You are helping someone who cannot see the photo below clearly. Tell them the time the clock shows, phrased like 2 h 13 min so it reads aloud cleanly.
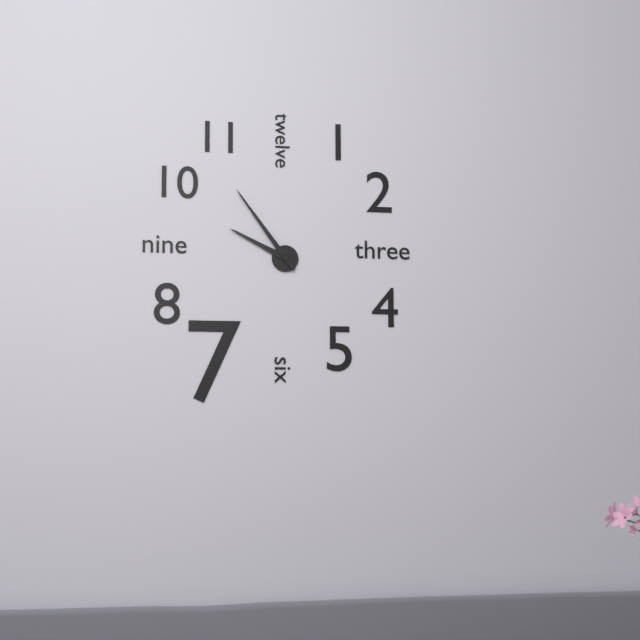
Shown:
9 h 54 min
